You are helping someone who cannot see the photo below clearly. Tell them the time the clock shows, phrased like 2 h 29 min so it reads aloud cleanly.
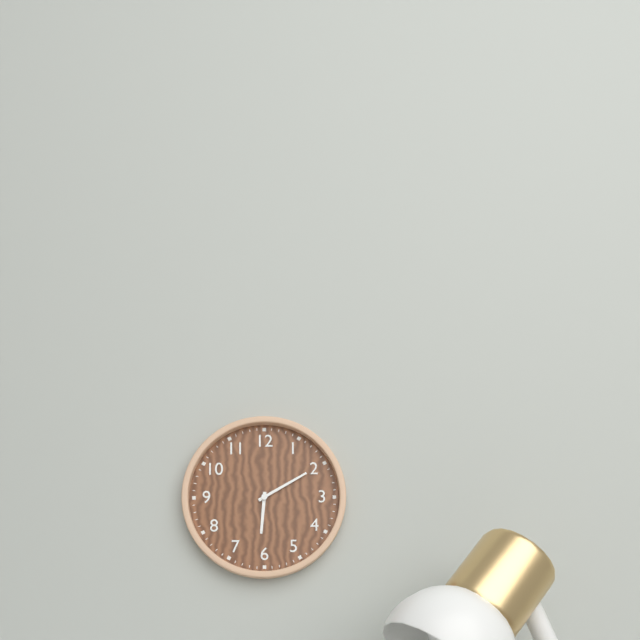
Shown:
6 h 10 min
